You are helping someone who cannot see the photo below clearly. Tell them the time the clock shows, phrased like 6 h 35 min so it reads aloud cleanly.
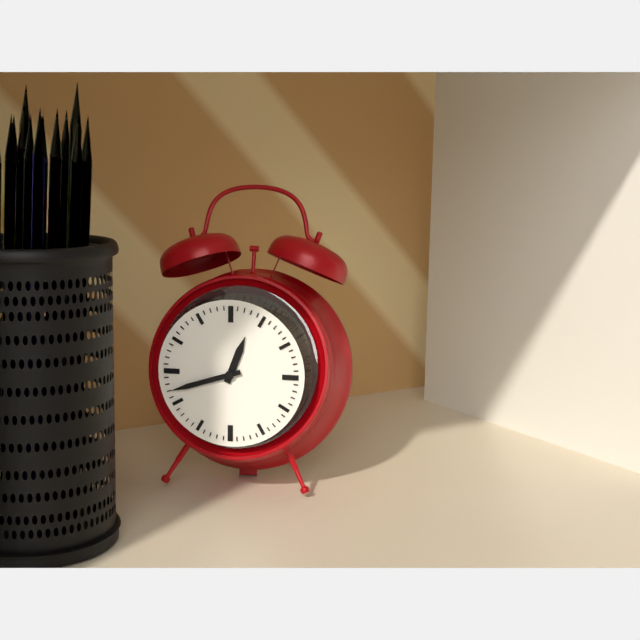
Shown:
12 h 42 min
